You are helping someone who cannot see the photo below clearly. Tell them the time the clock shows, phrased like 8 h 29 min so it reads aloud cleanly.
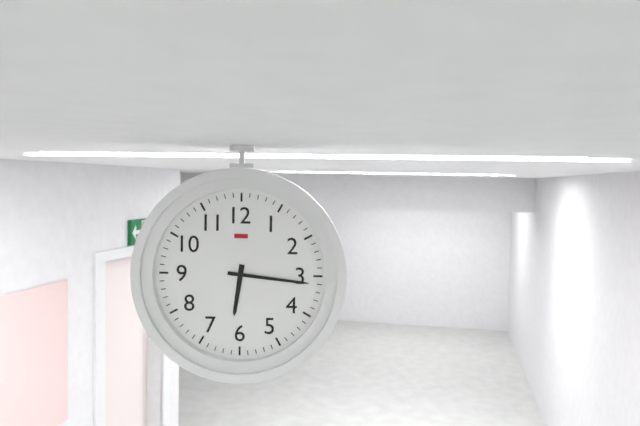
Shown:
6 h 16 min
